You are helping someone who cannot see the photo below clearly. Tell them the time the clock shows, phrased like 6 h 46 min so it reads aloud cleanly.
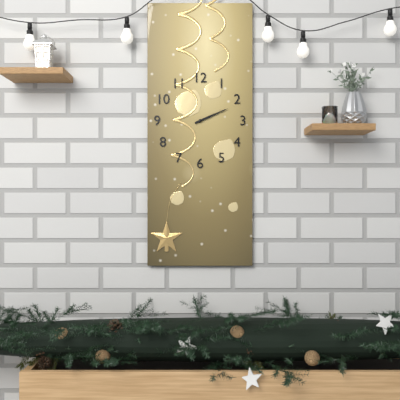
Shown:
2 h 11 min
